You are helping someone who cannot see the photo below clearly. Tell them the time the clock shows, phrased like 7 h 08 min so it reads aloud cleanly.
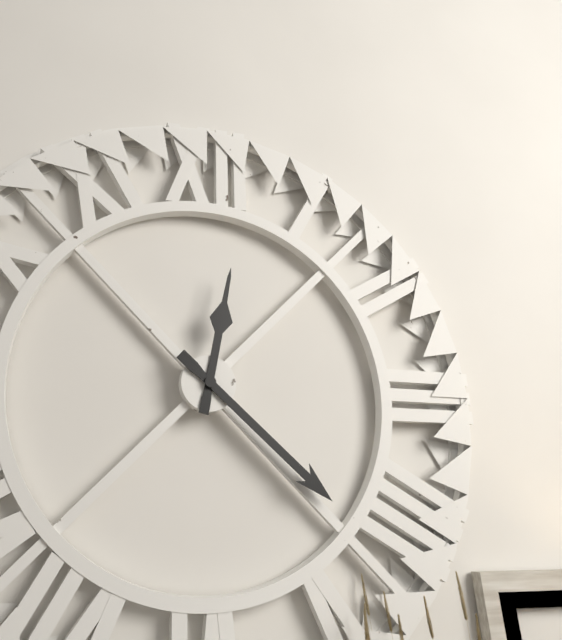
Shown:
12 h 22 min
